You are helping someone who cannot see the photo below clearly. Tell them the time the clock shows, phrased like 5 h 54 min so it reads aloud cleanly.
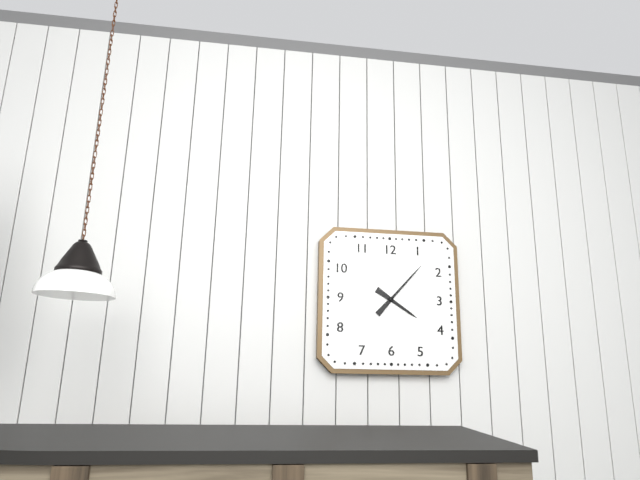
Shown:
4 h 07 min
